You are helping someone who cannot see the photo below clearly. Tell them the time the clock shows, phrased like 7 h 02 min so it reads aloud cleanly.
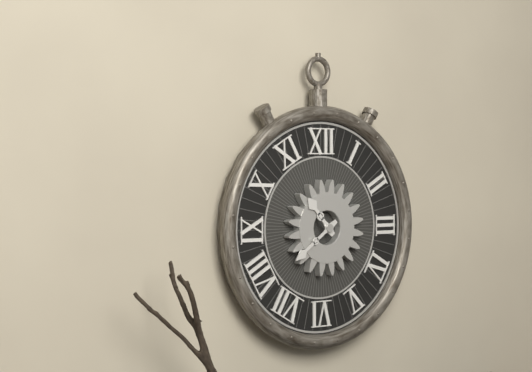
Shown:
10 h 39 min
